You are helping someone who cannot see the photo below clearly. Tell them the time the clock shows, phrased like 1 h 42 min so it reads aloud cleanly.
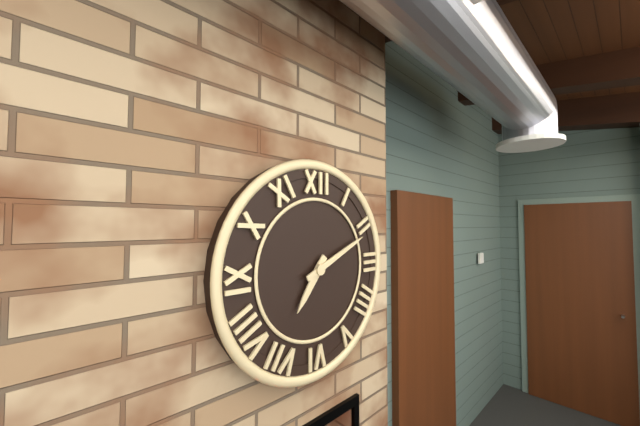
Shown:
7 h 11 min
